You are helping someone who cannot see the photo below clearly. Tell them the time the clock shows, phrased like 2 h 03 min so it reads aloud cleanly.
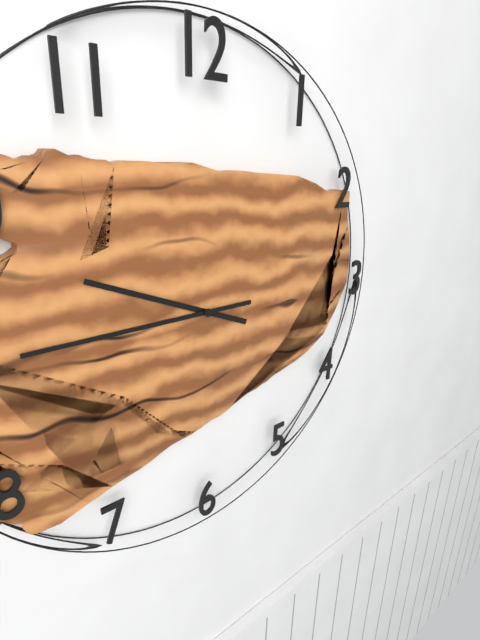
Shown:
9 h 45 min
